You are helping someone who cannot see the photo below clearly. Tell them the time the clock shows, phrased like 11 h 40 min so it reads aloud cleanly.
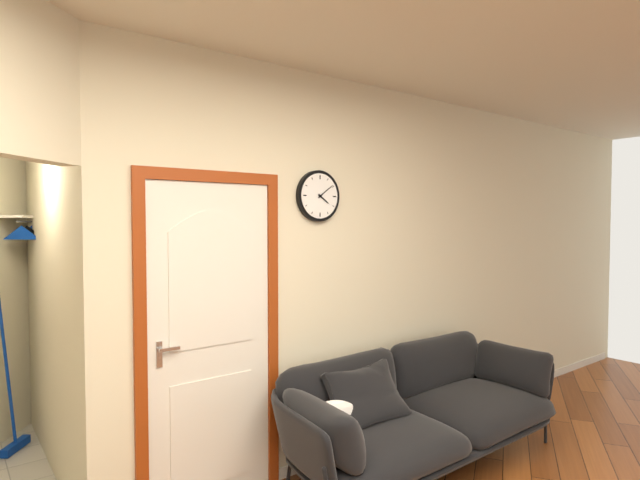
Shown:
4 h 09 min
